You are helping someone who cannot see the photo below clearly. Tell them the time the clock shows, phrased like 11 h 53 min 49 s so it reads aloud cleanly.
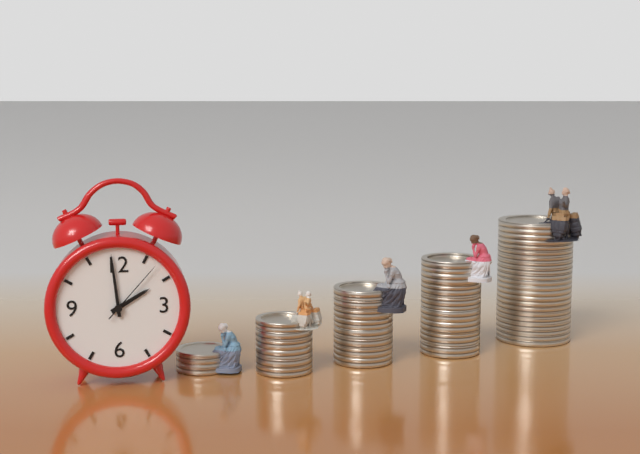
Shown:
1 h 59 min 07 s
